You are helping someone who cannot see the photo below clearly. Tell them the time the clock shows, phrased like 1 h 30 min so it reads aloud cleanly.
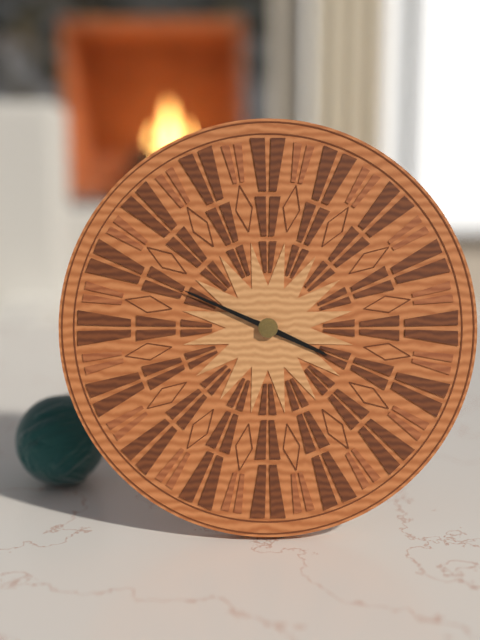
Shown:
3 h 49 min
